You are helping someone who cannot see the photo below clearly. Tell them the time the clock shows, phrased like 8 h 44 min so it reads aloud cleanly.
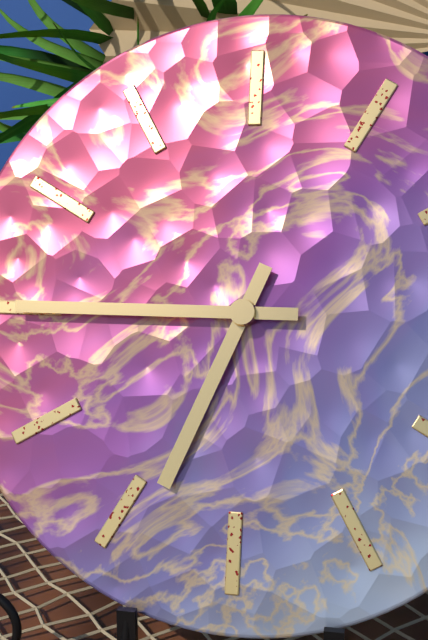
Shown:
6 h 45 min
